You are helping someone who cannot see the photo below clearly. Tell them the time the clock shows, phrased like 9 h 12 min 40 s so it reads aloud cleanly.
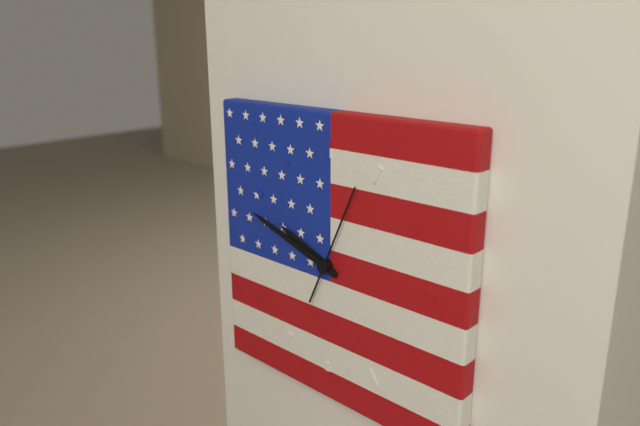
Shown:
9 h 48 min 04 s
